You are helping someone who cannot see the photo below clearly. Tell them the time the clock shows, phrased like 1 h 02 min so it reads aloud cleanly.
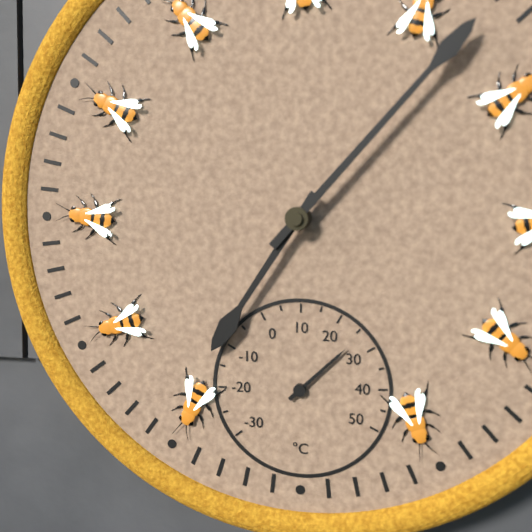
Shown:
7 h 07 min
